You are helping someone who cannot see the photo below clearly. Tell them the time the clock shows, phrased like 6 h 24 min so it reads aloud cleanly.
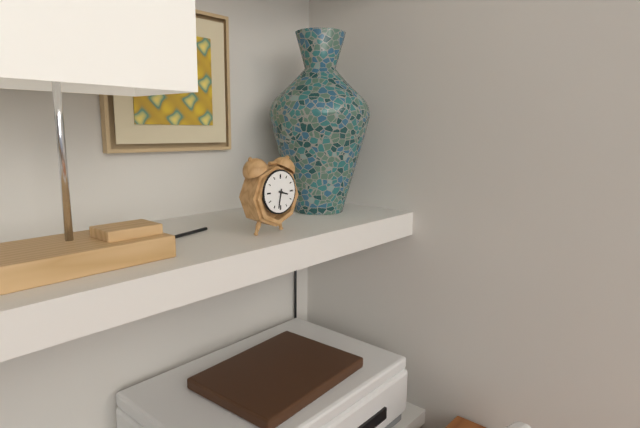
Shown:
3 h 32 min
